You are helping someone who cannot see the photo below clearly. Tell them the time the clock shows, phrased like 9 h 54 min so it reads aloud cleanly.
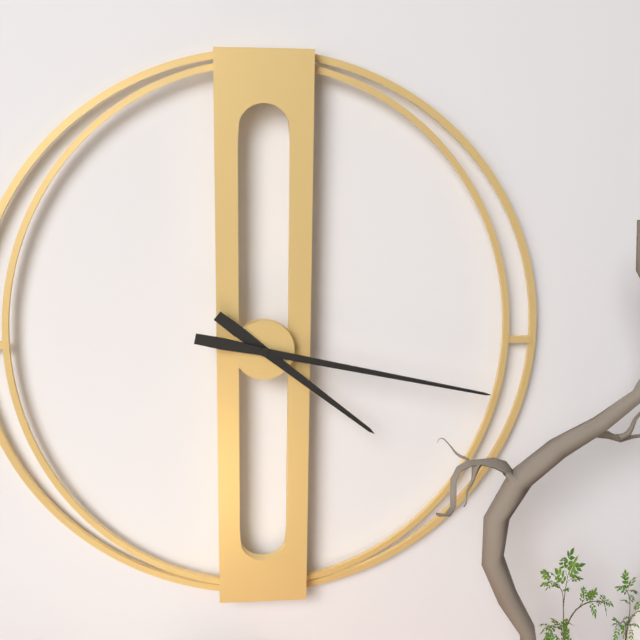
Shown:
4 h 17 min
